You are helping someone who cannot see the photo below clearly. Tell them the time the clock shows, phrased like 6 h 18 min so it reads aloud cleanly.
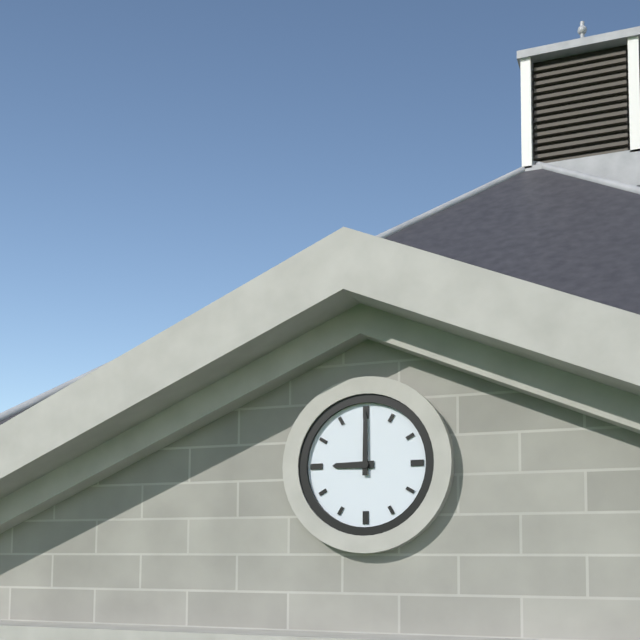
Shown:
9 h 00 min
